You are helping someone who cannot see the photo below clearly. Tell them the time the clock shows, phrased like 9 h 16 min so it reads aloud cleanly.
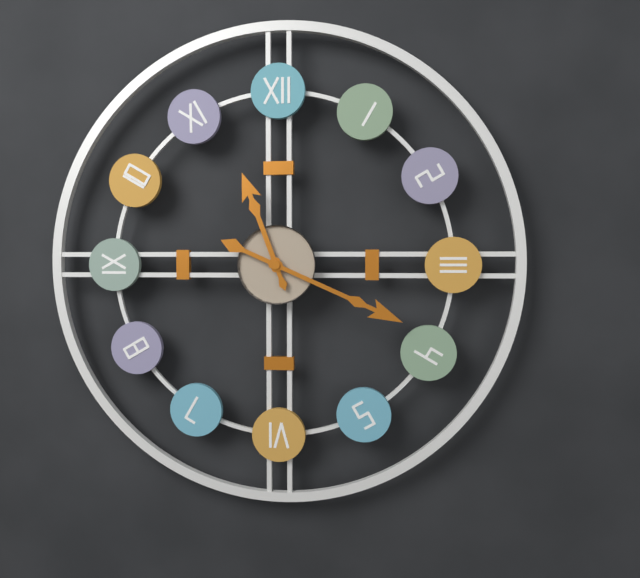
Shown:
11 h 19 min
